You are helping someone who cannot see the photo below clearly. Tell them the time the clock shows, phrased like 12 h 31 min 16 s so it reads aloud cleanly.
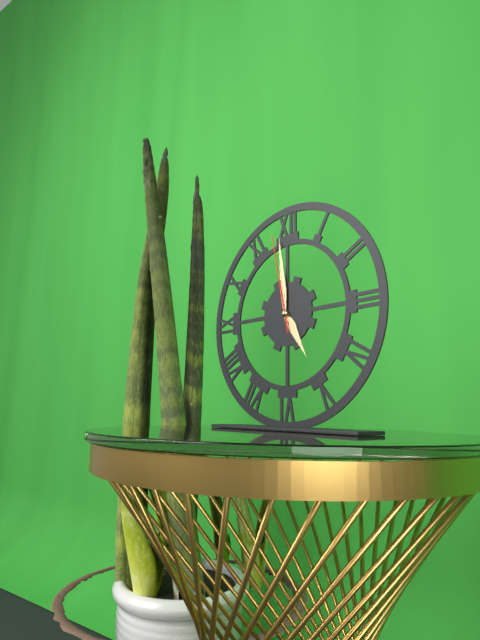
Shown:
4 h 59 min 58 s
